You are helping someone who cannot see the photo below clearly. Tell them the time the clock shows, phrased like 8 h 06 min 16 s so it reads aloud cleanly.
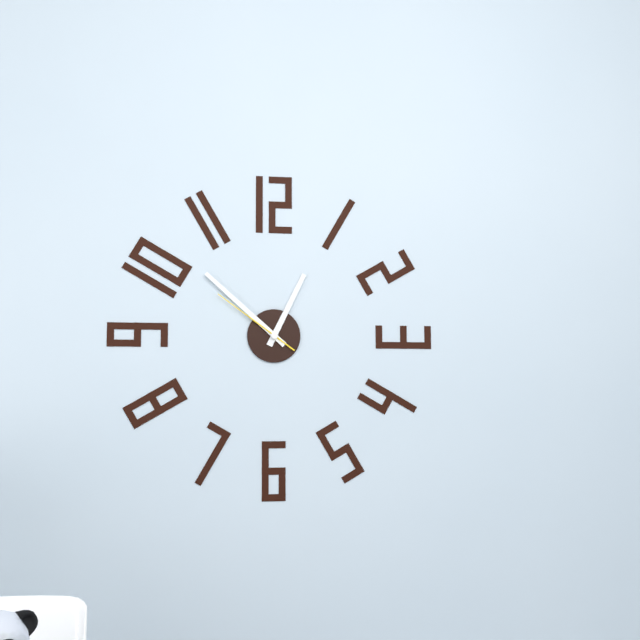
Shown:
12 h 52 min 51 s
